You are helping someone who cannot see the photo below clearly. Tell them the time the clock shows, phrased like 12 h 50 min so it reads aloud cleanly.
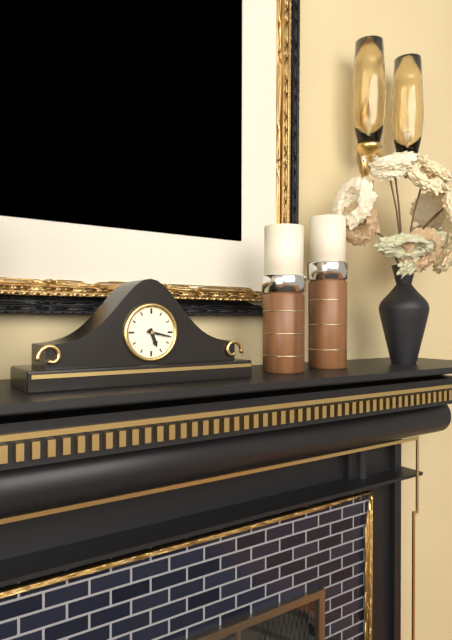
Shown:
5 h 17 min
